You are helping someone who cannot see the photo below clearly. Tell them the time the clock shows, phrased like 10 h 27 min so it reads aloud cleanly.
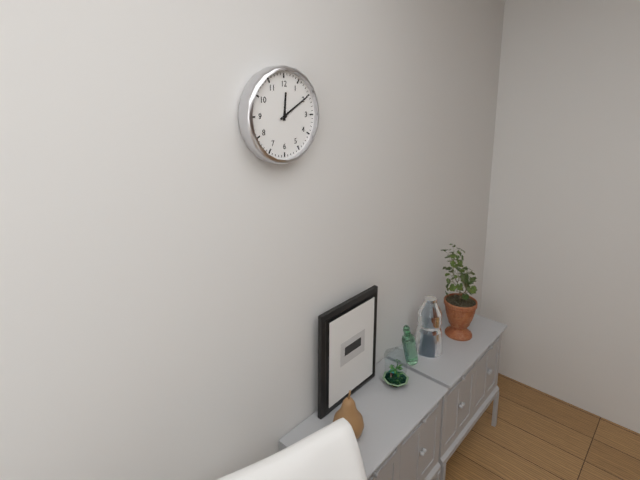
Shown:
12 h 10 min
